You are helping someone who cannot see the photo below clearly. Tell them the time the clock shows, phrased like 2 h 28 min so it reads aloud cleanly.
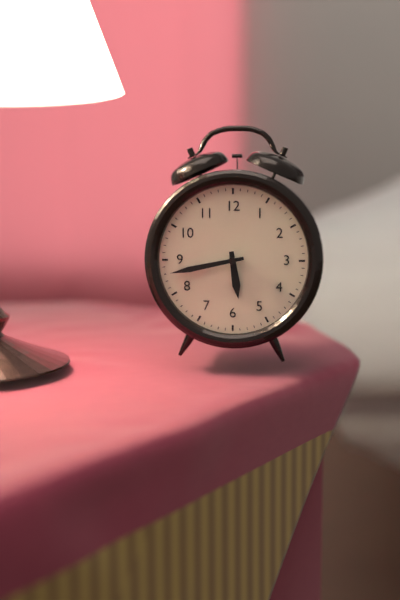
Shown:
5 h 43 min
